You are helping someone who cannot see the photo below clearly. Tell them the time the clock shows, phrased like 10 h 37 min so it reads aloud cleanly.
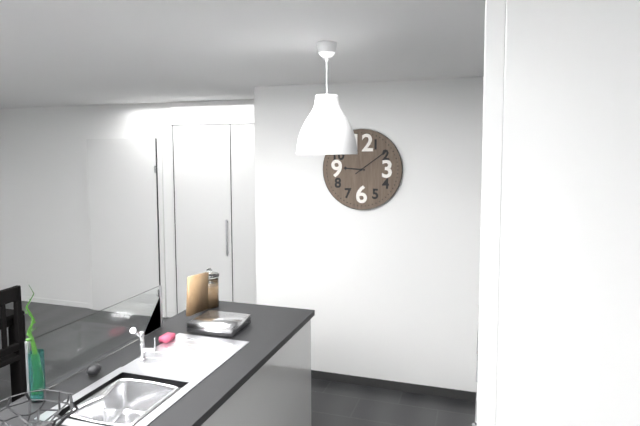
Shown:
9 h 09 min
